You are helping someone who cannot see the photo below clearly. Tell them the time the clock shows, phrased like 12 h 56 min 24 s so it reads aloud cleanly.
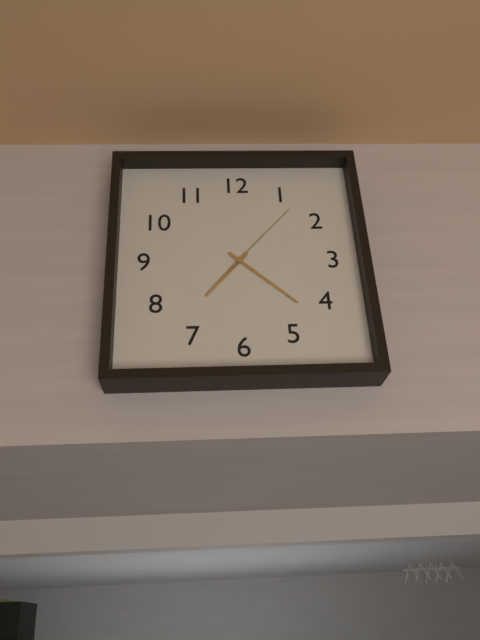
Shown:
7 h 22 min 07 s
